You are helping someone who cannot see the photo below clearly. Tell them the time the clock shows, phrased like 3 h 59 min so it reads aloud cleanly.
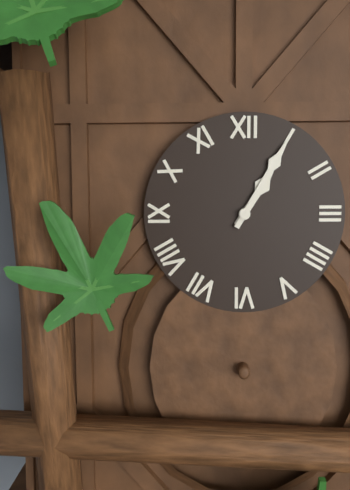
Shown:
1 h 05 min
